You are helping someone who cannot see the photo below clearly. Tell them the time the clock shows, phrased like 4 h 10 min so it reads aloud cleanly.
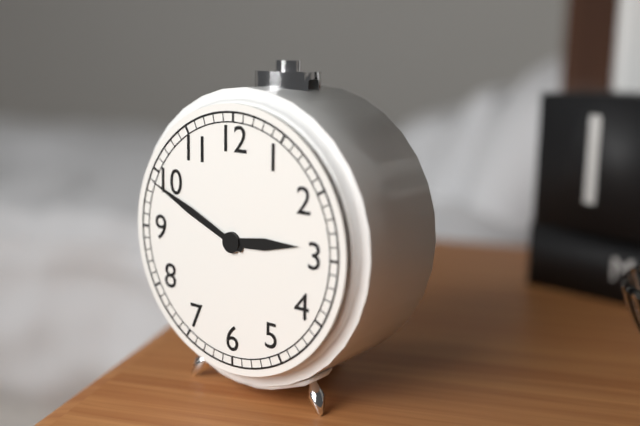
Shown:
2 h 49 min
